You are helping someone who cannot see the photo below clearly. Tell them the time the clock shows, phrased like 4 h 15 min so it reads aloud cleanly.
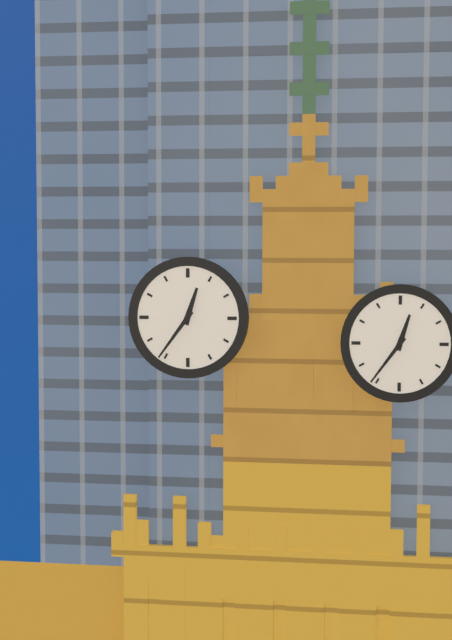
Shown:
12 h 36 min
